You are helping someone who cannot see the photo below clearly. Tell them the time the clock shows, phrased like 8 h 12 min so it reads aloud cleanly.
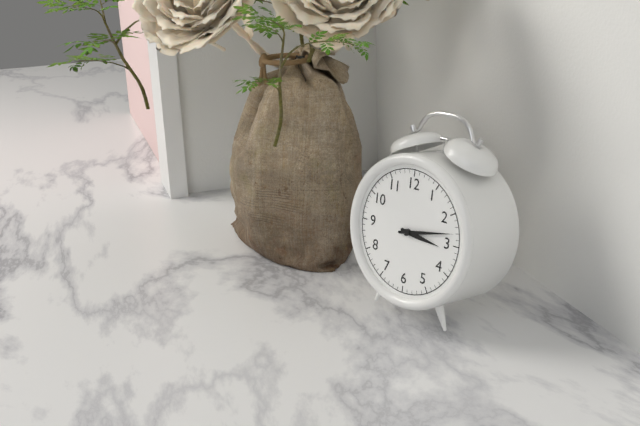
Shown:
3 h 13 min
